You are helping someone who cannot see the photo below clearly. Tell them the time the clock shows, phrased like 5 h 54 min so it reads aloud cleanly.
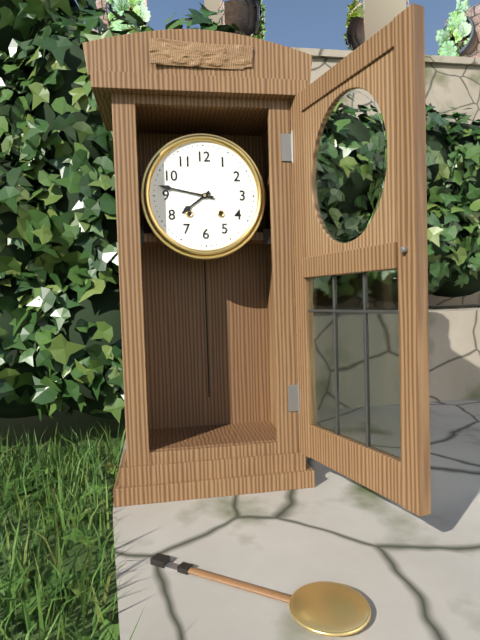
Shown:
7 h 47 min
